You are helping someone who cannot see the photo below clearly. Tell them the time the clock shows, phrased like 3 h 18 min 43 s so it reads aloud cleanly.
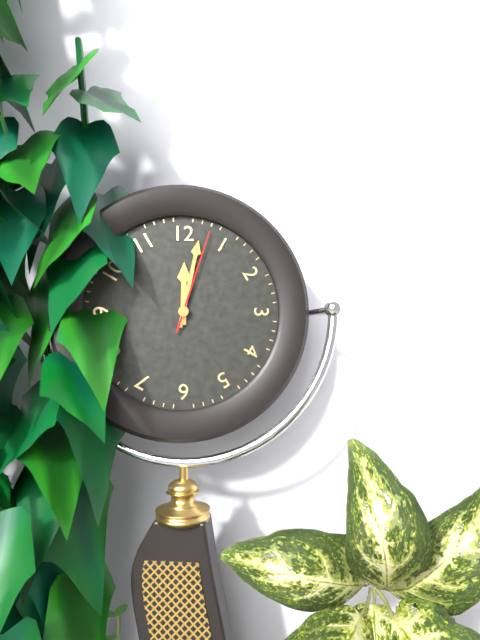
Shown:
12 h 02 min 03 s
